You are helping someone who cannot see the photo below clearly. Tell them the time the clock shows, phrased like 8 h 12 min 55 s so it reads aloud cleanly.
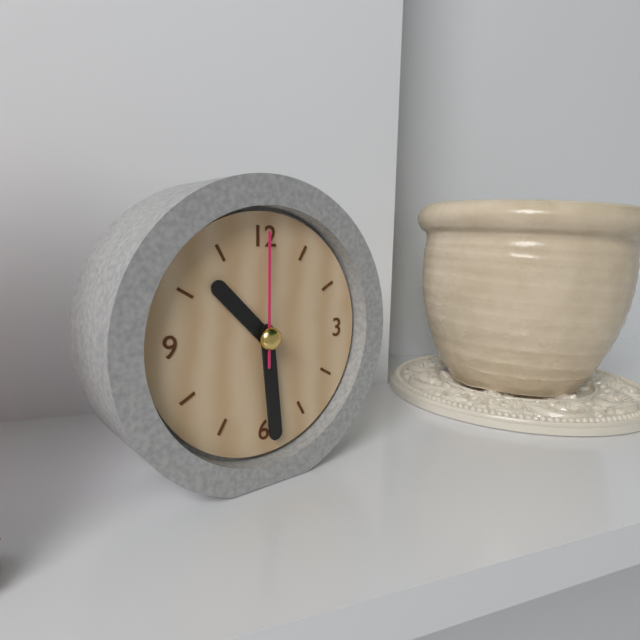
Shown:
10 h 29 min 00 s
